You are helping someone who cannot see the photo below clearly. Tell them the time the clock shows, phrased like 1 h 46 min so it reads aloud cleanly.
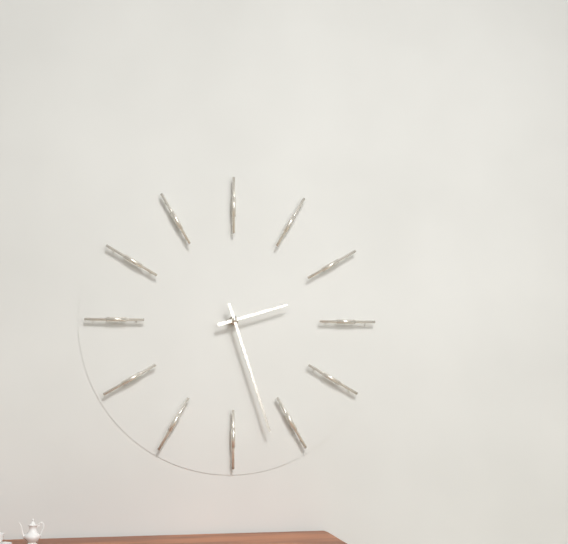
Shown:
2 h 27 min
